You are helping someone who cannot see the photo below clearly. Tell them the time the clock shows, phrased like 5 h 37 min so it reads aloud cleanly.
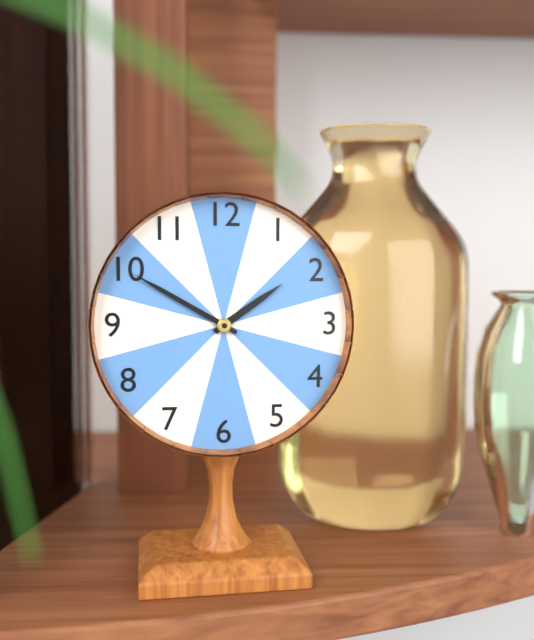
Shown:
1 h 50 min
